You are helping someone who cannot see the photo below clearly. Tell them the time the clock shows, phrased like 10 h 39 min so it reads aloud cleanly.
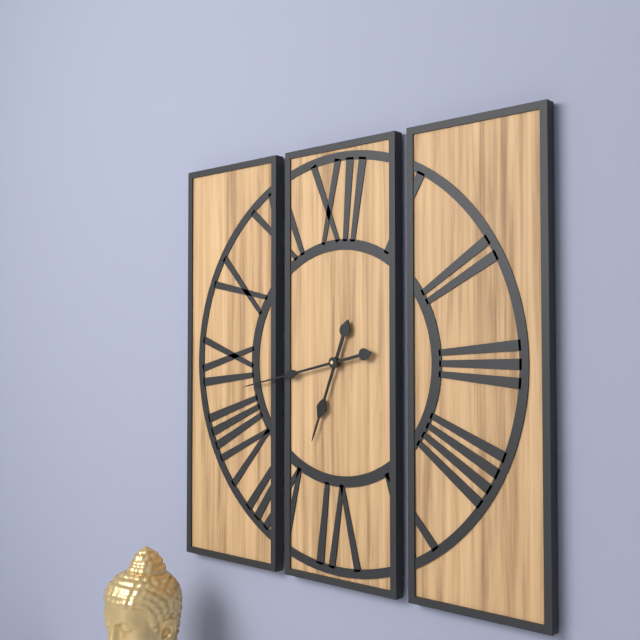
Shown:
6 h 43 min
